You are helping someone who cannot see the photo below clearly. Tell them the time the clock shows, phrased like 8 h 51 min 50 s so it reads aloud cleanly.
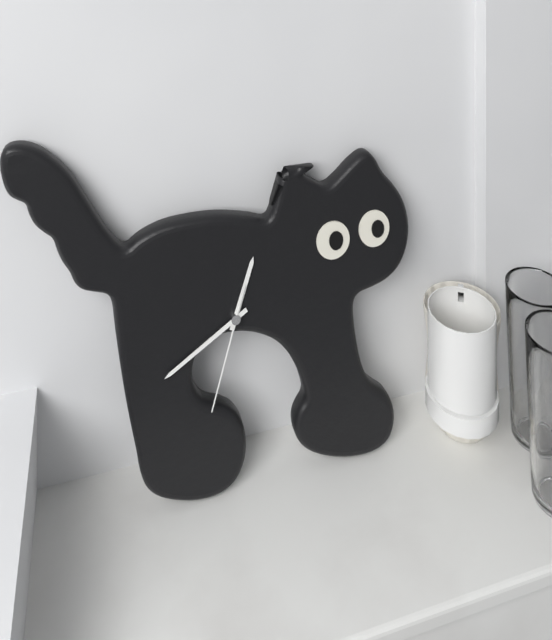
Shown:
12 h 40 min 33 s
